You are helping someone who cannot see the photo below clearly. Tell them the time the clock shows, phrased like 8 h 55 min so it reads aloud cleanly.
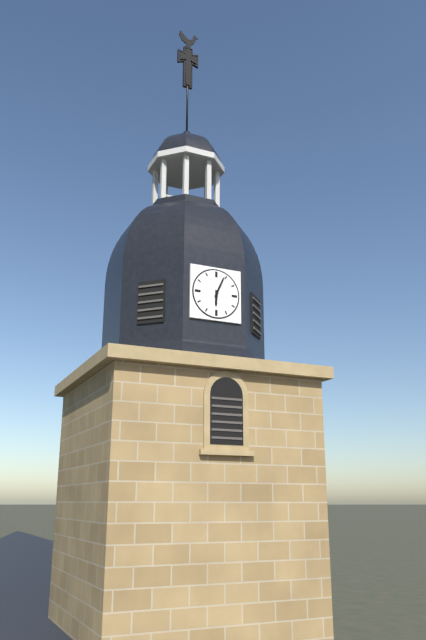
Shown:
6 h 04 min
